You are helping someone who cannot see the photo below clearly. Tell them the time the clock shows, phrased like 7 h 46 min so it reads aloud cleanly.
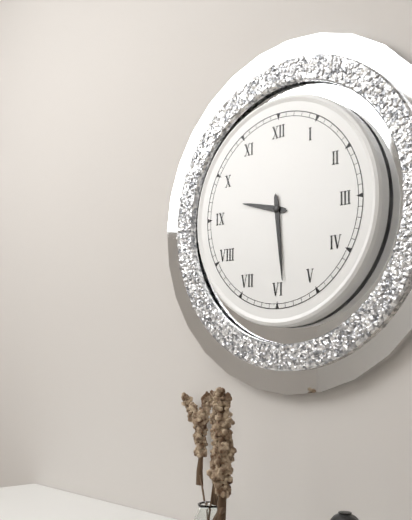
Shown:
9 h 29 min
